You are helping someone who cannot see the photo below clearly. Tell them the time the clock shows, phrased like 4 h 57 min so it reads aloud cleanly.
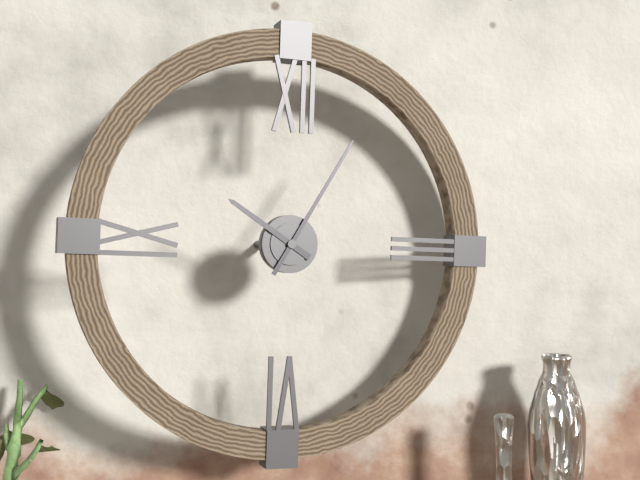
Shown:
10 h 05 min
